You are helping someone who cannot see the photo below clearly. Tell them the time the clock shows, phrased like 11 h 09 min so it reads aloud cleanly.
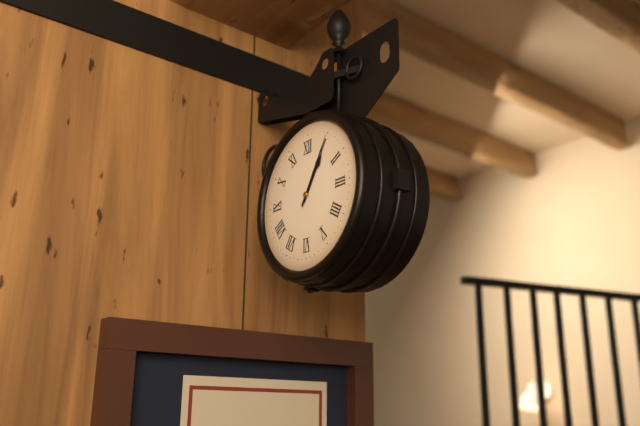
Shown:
1 h 05 min
